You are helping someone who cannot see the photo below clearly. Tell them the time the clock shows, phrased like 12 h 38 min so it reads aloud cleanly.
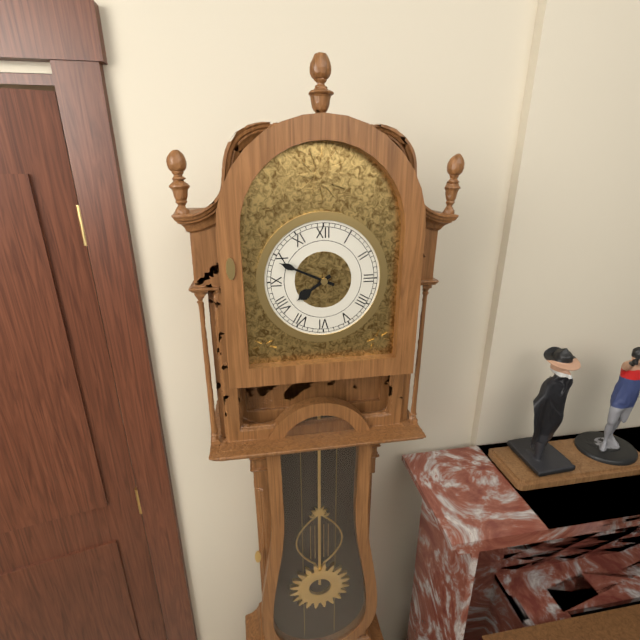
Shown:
7 h 49 min
